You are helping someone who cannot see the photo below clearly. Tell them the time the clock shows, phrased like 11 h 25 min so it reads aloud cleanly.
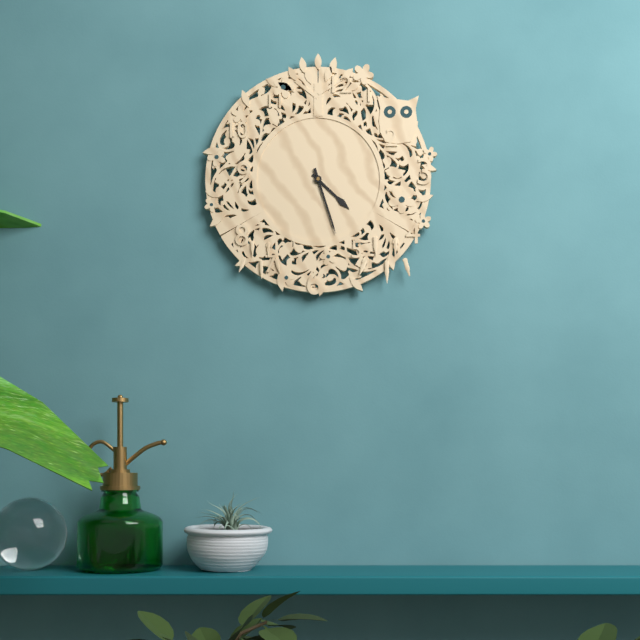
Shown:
4 h 27 min
